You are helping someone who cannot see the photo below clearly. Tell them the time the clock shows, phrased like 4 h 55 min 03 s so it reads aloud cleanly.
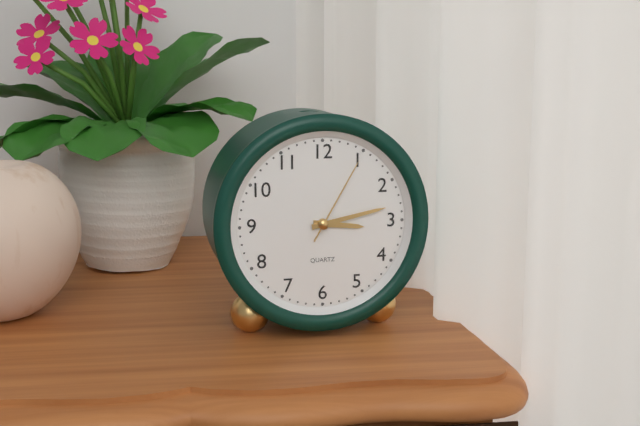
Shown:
3 h 13 min 05 s
